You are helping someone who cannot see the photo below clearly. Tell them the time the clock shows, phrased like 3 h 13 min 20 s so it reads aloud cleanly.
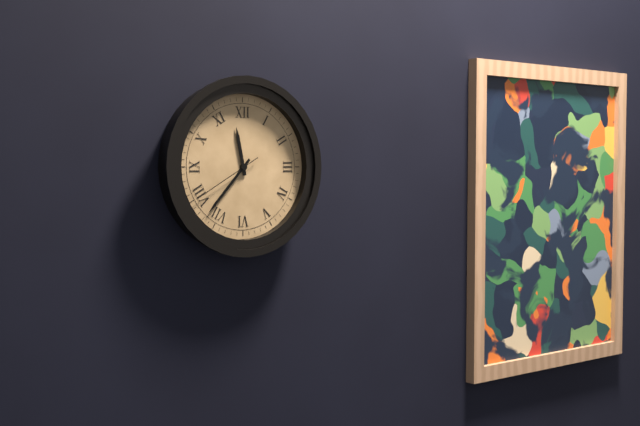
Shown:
11 h 37 min 40 s
